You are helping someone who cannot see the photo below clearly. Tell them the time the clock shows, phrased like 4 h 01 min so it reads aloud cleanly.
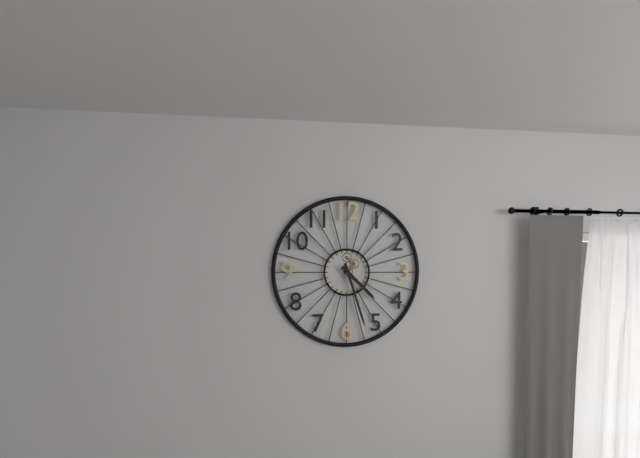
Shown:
4 h 27 min
